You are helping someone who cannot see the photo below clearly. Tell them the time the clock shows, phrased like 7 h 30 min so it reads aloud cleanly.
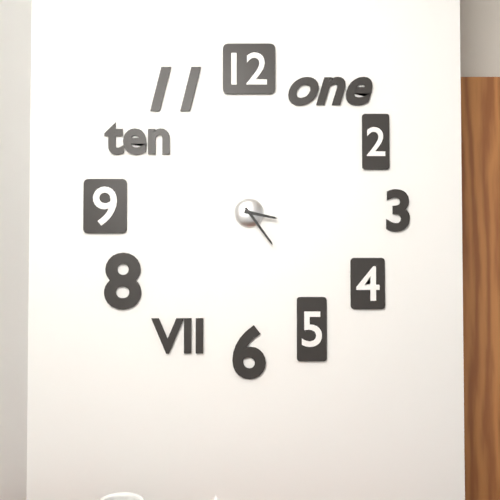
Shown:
3 h 24 min
